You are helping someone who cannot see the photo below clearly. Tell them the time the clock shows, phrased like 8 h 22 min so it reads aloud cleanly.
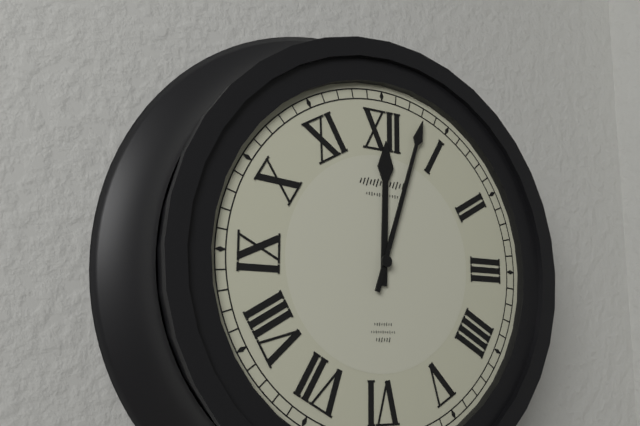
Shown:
12 h 03 min
